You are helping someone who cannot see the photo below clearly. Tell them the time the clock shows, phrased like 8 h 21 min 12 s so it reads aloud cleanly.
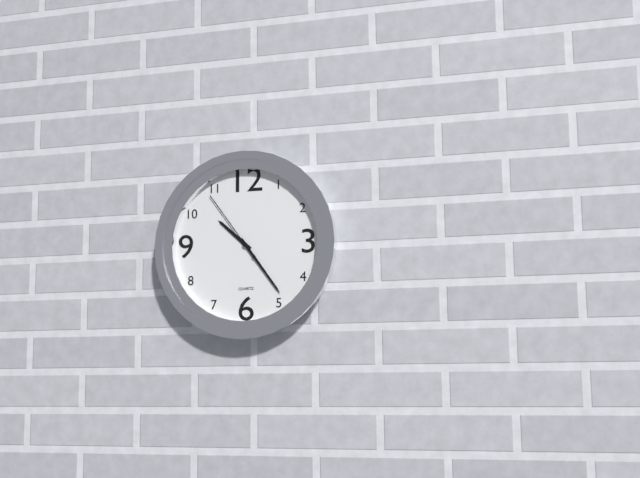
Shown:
10 h 24 min 54 s
